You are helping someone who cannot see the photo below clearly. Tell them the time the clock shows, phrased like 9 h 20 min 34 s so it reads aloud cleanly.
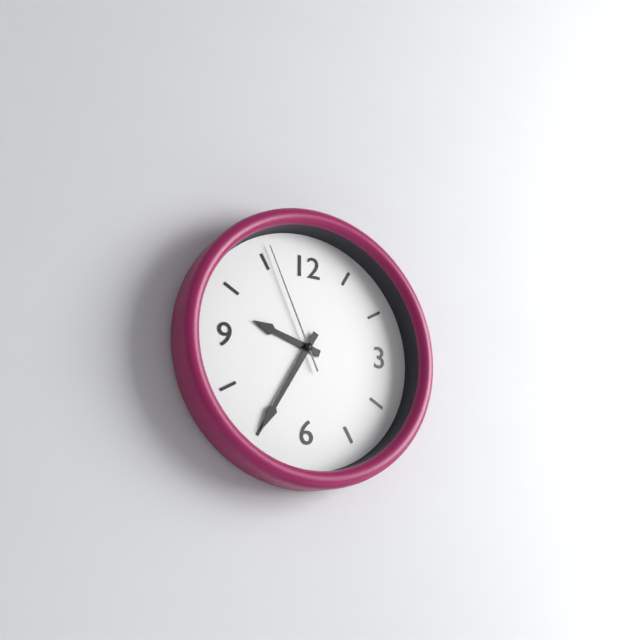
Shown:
9 h 35 min 56 s
